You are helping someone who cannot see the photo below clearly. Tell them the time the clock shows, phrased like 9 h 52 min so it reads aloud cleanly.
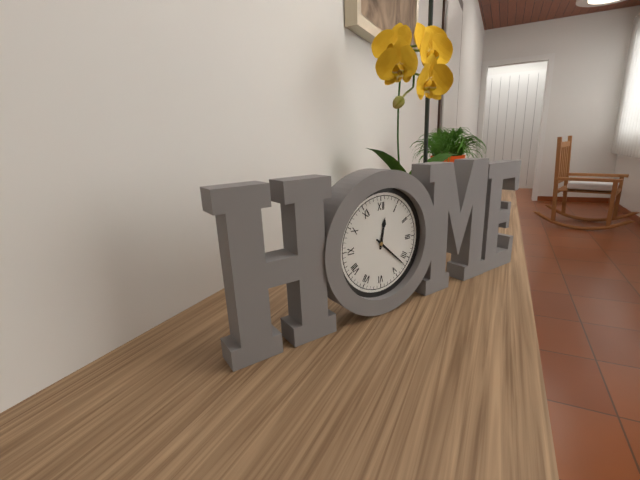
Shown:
12 h 22 min
